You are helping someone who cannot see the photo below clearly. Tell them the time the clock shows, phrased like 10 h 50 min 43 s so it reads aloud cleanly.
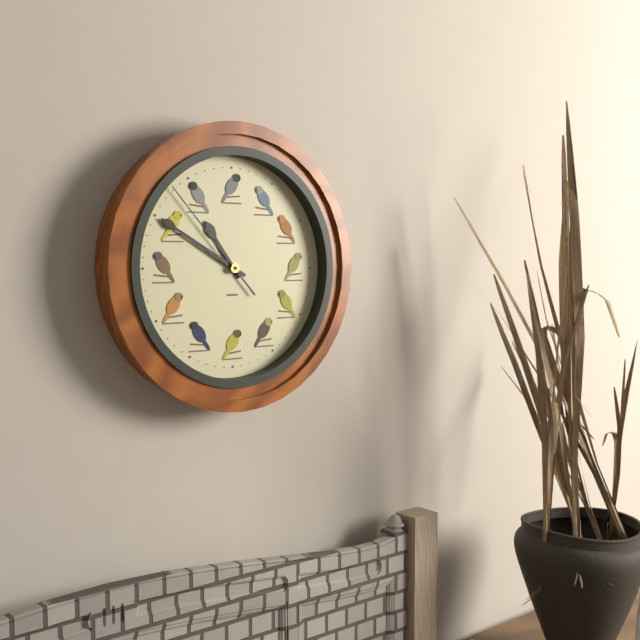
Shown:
10 h 50 min 53 s
